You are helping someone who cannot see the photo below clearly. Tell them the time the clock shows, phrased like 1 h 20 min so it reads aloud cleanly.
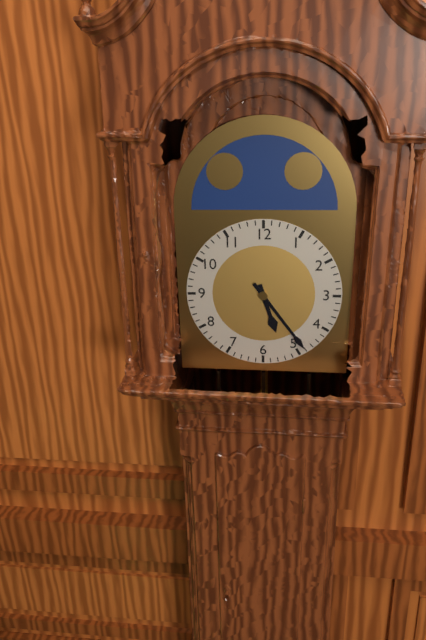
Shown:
5 h 24 min
